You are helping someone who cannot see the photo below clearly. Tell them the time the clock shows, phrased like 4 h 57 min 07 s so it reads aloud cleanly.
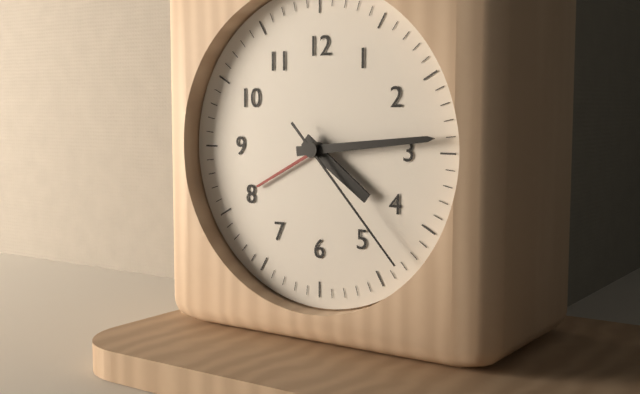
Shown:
4 h 14 min 23 s
